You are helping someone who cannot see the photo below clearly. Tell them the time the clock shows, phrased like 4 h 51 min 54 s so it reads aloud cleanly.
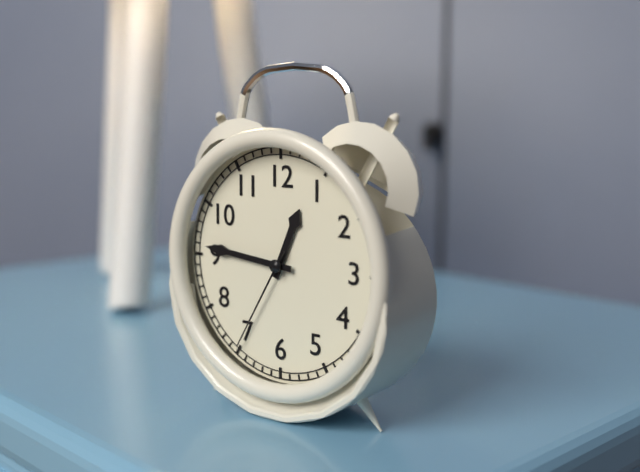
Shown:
12 h 46 min 35 s
